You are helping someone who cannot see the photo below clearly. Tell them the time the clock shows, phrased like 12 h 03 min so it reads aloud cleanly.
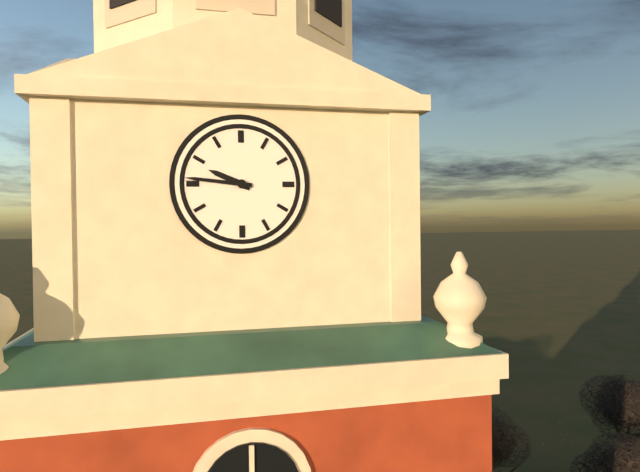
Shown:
9 h 46 min
